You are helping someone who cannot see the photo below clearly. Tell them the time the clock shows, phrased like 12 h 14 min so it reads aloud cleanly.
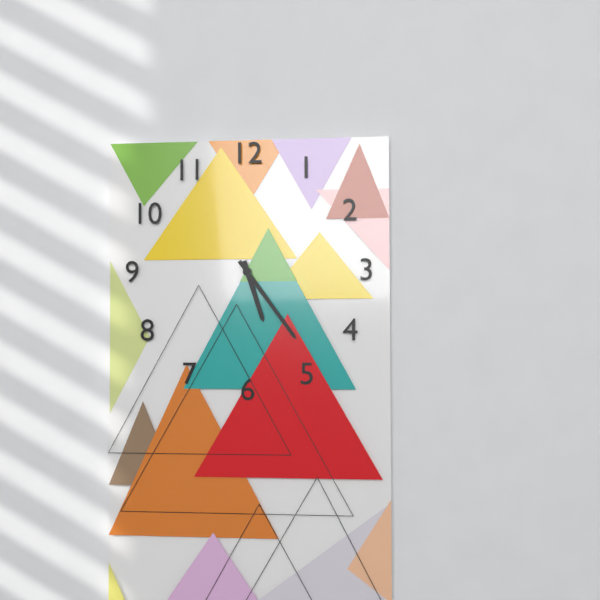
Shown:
5 h 24 min
